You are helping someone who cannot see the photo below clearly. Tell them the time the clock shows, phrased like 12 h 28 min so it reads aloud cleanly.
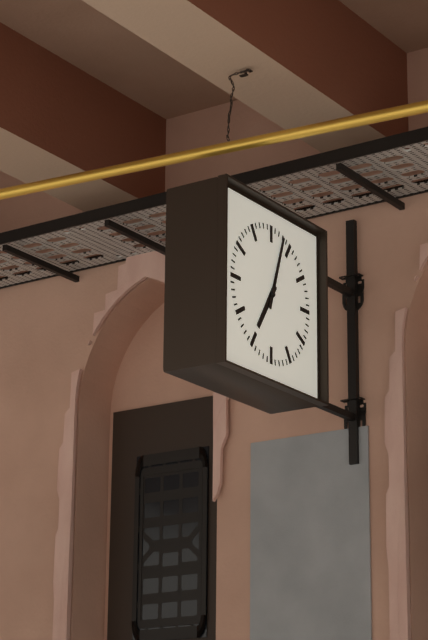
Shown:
7 h 03 min
